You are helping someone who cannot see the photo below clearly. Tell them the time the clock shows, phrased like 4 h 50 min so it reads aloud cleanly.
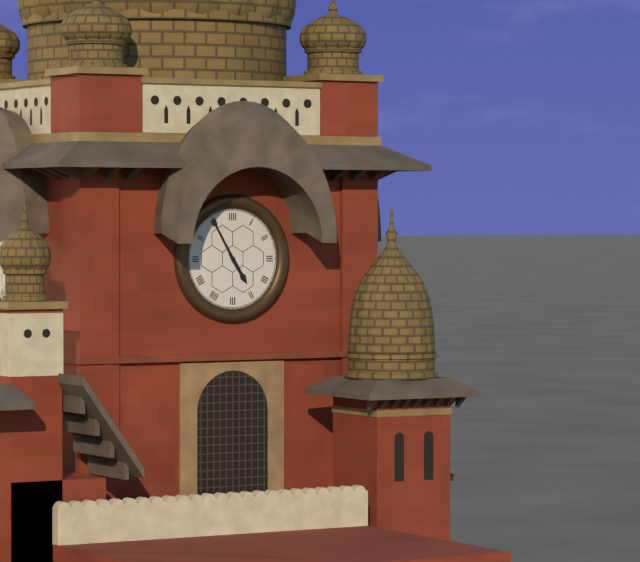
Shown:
4 h 55 min
